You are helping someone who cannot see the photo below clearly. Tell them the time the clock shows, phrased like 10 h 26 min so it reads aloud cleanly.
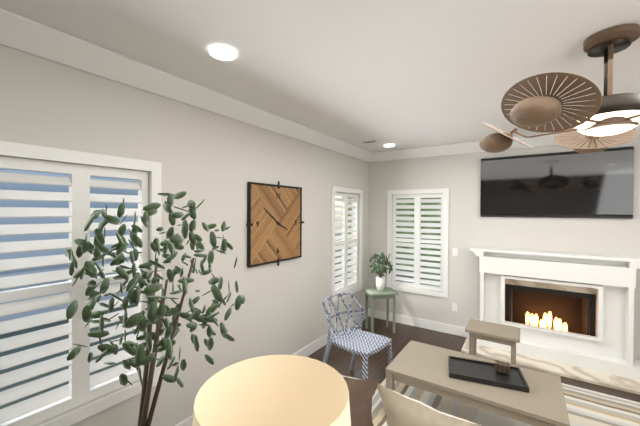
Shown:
3 h 51 min
